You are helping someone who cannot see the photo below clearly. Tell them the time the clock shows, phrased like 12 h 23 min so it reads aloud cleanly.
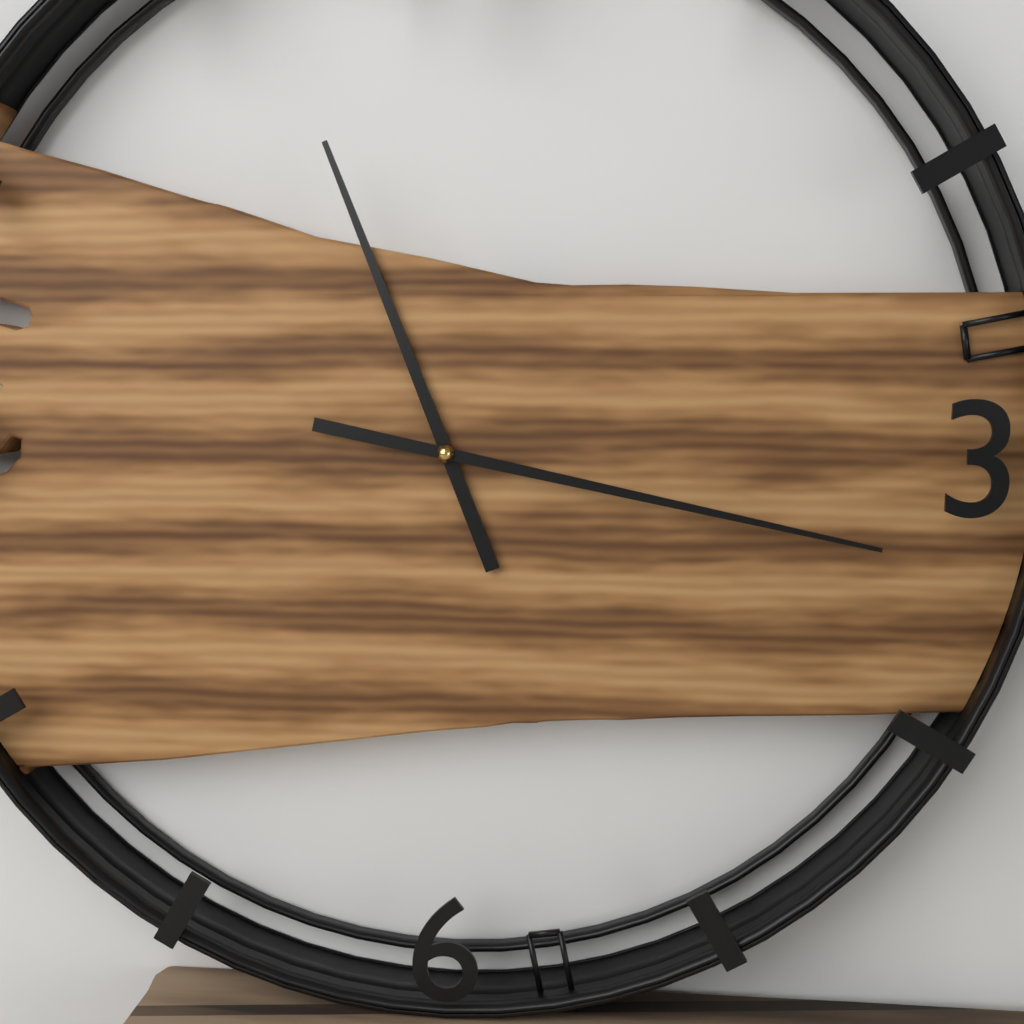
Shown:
11 h 17 min
